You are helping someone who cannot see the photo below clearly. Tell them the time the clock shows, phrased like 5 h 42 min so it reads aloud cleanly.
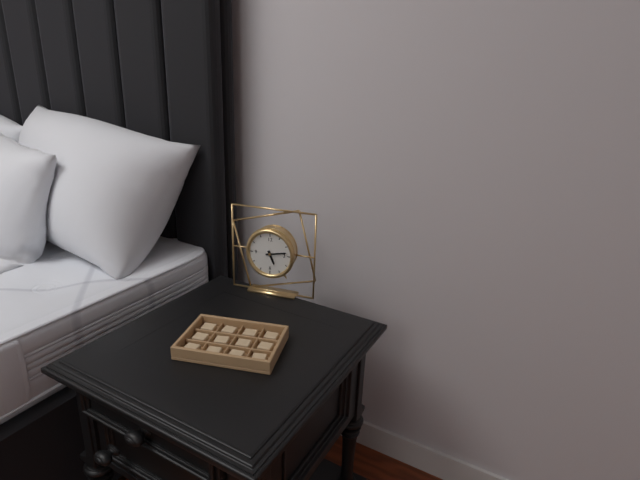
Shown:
5 h 13 min
